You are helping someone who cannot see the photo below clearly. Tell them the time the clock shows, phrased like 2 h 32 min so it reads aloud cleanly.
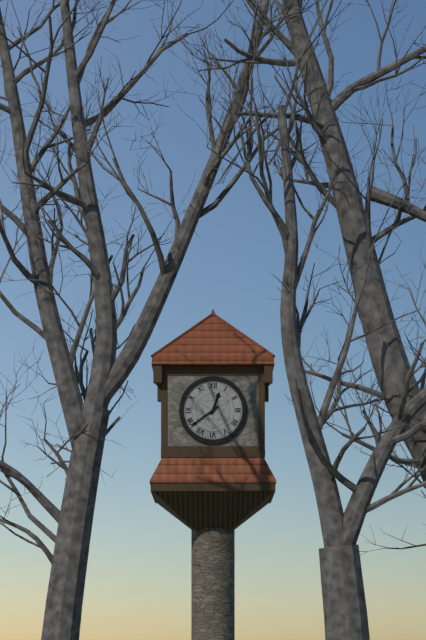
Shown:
12 h 39 min
